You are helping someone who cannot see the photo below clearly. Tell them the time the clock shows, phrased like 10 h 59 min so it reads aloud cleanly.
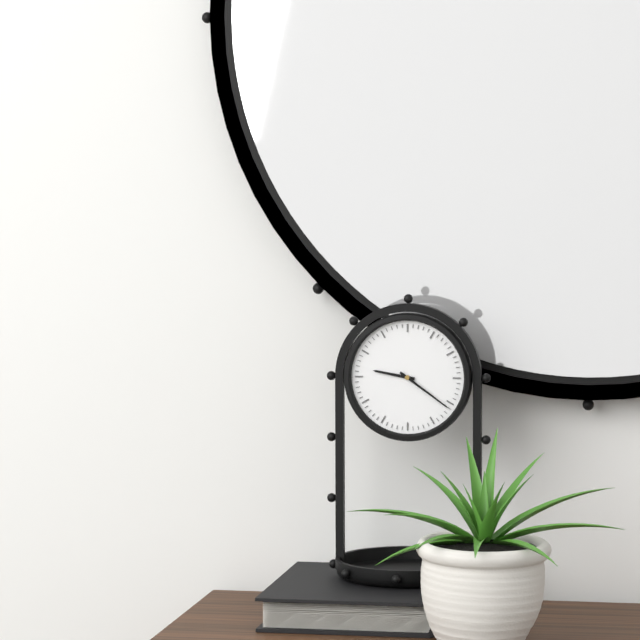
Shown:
9 h 21 min
